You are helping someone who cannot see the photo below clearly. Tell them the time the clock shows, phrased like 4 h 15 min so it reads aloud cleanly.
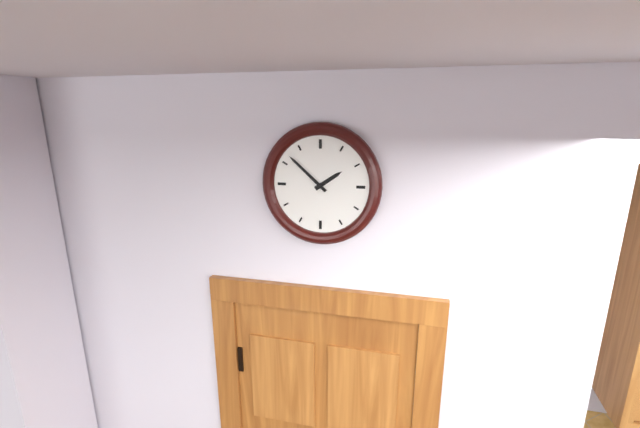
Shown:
1 h 52 min
